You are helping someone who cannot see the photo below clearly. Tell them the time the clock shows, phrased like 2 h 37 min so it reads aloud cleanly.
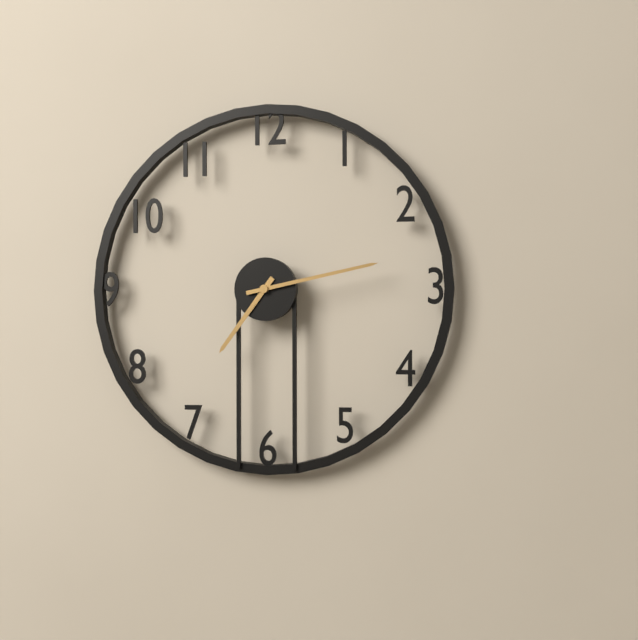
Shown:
7 h 13 min
